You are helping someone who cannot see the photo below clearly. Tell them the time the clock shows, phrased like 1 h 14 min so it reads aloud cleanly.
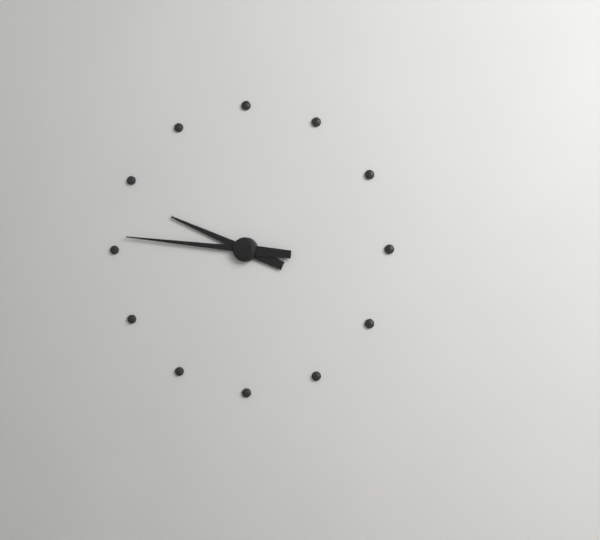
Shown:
9 h 46 min
